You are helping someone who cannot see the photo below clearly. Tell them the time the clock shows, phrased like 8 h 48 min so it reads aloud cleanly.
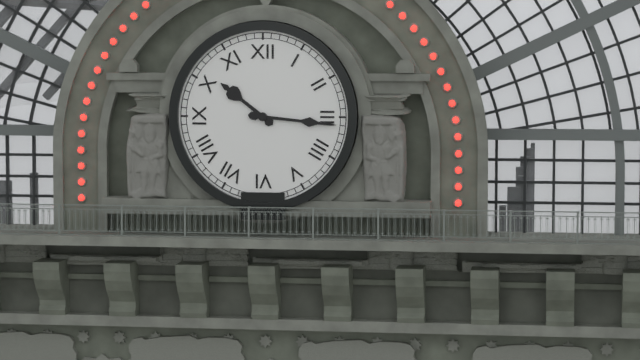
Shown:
10 h 16 min
